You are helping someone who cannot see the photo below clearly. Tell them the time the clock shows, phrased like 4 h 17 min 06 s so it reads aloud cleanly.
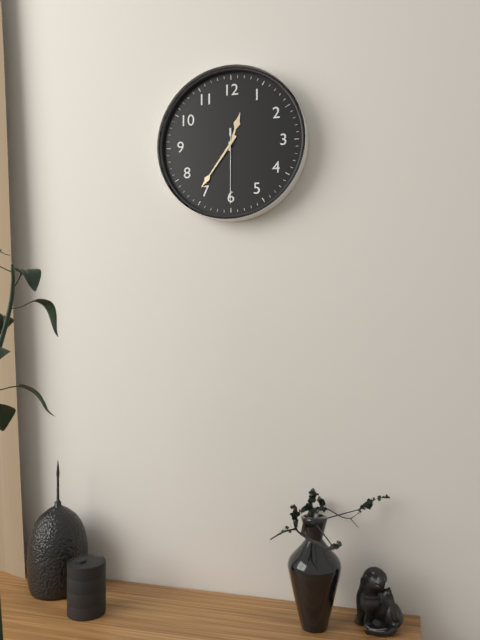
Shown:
12 h 36 min 30 s
